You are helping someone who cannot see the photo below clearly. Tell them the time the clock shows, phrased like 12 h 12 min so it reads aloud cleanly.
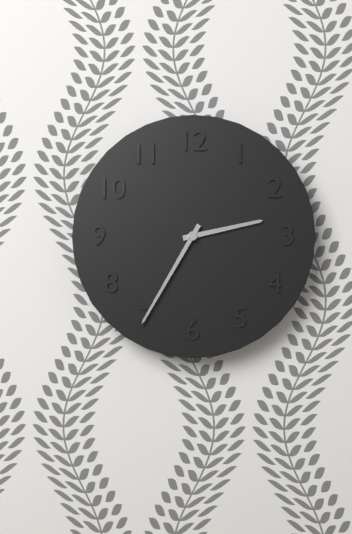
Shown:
2 h 35 min
